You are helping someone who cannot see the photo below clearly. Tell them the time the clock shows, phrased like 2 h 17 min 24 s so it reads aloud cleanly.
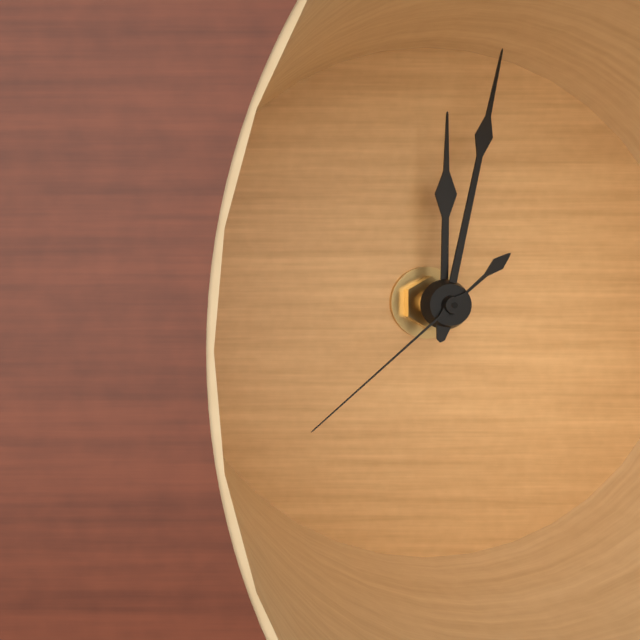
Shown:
12 h 02 min 38 s
